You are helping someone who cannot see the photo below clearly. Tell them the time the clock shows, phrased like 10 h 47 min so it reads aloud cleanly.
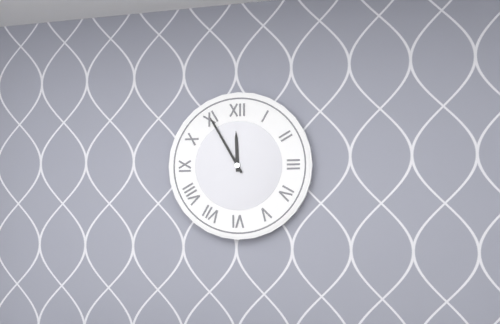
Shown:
11 h 55 min
